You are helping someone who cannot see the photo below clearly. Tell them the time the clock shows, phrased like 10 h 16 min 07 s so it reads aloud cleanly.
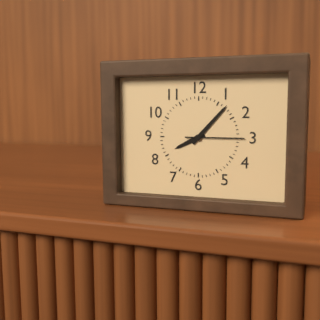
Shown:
8 h 07 min 15 s
